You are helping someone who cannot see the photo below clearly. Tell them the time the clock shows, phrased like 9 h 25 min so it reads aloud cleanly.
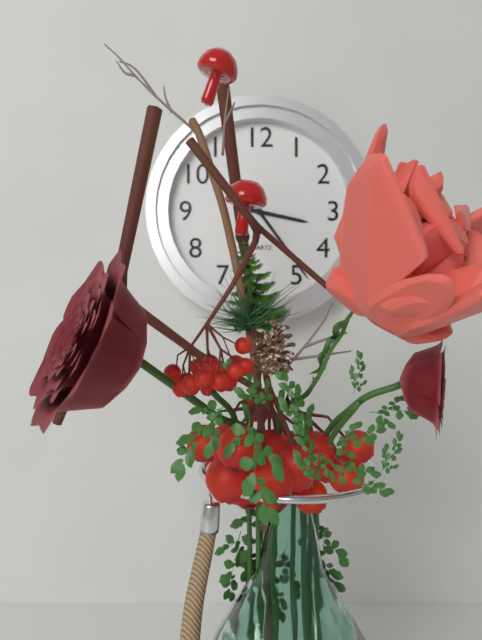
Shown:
3 h 24 min
